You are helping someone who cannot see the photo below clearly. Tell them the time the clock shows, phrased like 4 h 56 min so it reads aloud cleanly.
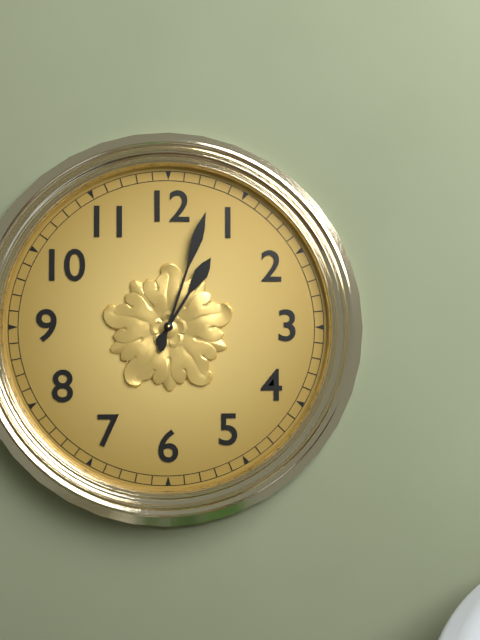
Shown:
1 h 03 min
